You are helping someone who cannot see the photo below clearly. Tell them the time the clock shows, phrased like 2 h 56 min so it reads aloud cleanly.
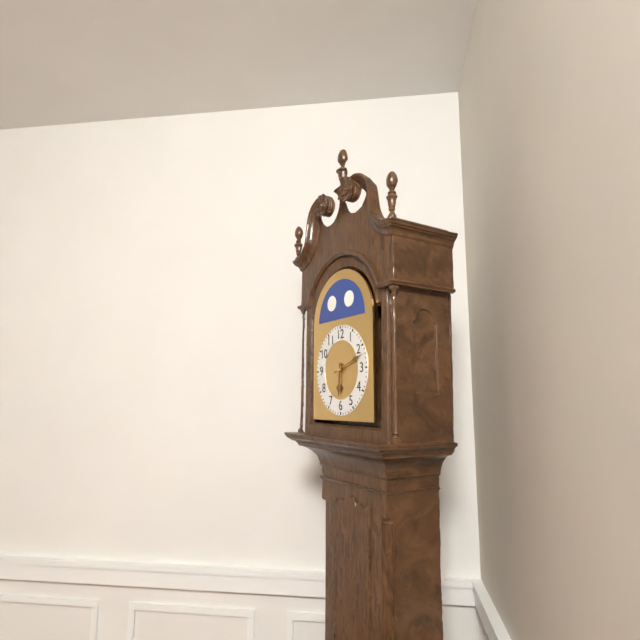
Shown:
6 h 12 min
